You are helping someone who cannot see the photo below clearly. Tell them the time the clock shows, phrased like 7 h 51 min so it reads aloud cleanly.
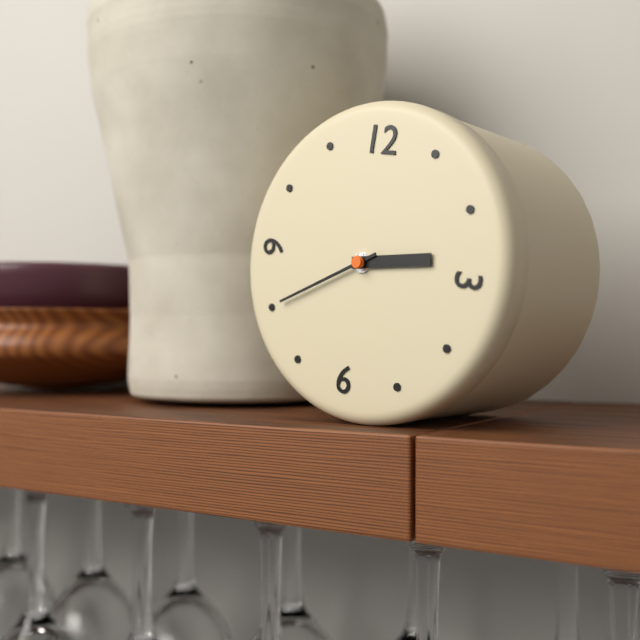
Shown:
2 h 40 min
